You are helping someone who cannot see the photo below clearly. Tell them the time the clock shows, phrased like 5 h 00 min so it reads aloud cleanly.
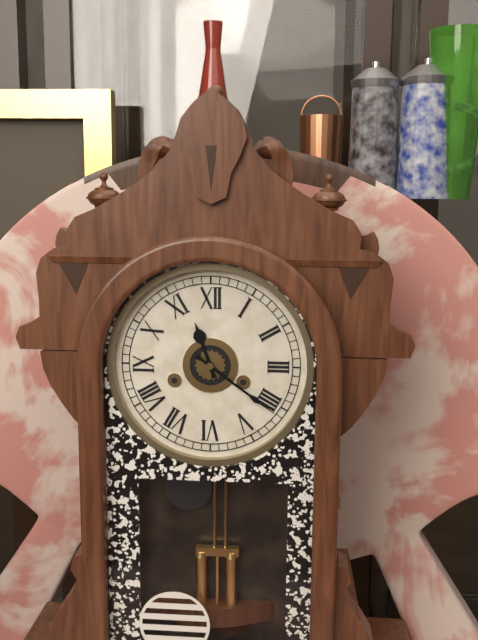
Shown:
11 h 21 min
